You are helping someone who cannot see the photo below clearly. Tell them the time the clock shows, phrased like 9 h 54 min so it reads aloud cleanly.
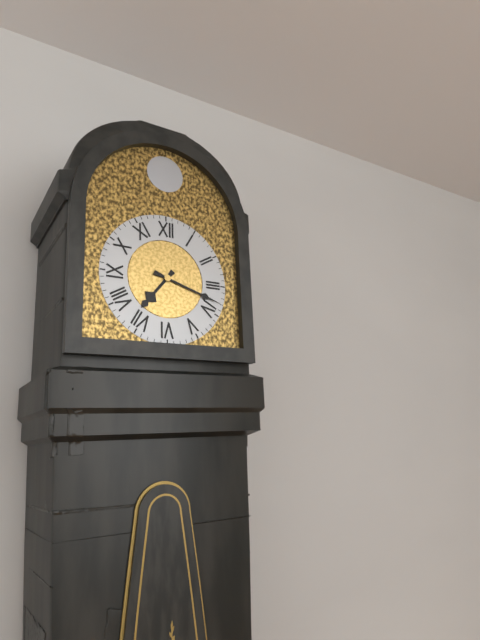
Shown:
7 h 18 min
